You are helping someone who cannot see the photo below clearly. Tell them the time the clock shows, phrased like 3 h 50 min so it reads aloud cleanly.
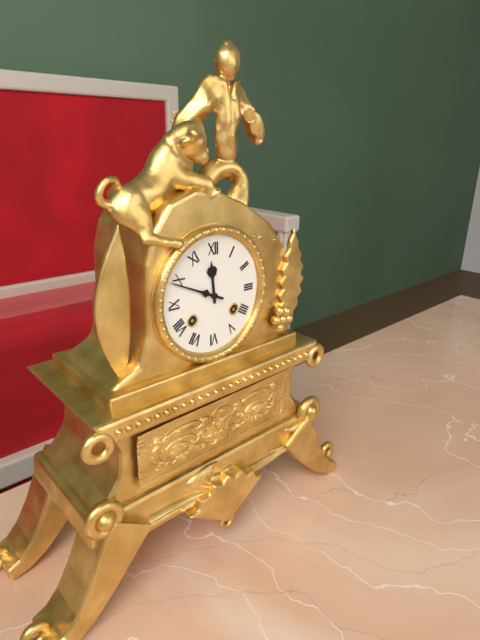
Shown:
11 h 49 min
